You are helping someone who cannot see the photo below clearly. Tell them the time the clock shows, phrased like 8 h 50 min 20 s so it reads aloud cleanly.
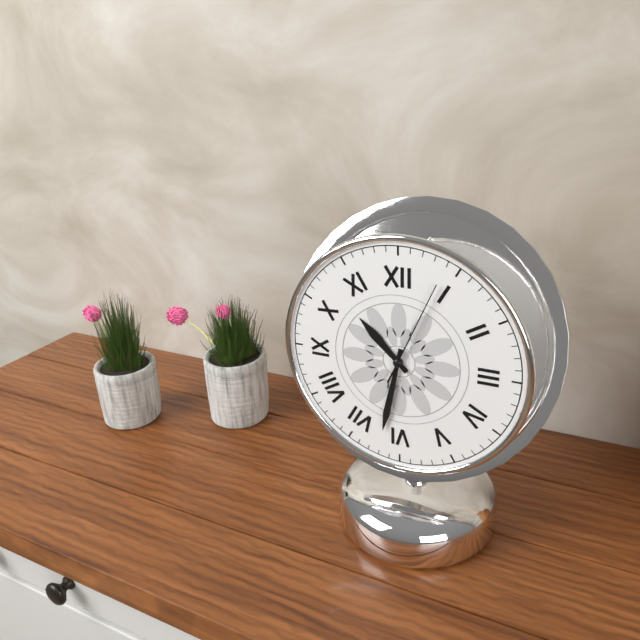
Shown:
10 h 32 min 04 s
